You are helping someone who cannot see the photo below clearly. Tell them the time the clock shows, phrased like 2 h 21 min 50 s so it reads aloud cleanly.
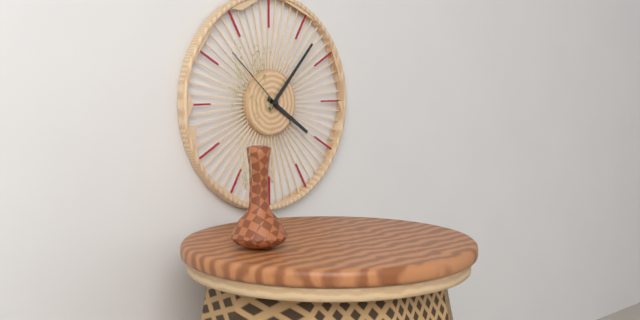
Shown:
4 h 07 min 52 s
